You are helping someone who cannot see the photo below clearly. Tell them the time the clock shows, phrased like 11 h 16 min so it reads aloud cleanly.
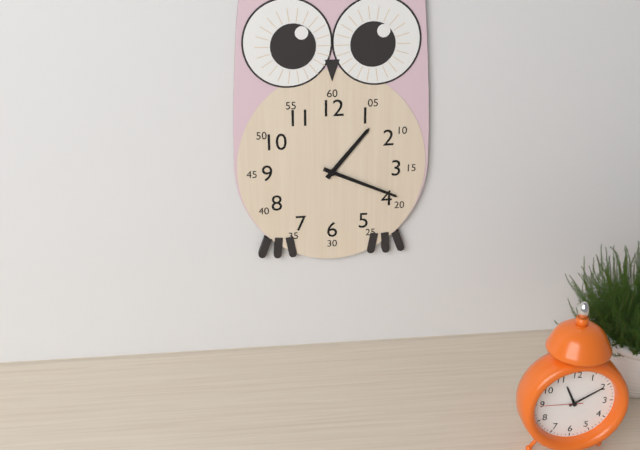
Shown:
1 h 19 min
